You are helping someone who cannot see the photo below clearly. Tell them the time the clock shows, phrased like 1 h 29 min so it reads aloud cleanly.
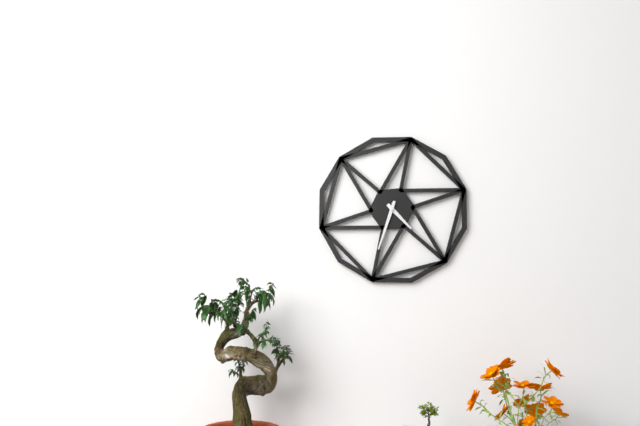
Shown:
4 h 33 min
